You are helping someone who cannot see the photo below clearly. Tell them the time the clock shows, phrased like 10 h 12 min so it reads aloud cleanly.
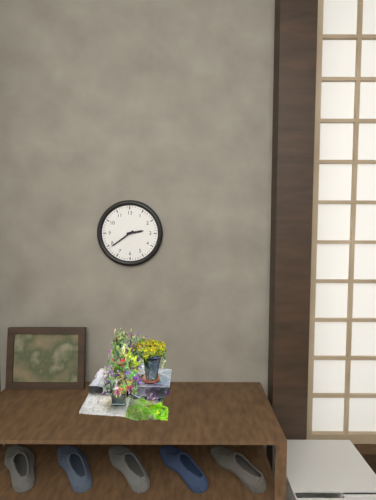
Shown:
2 h 39 min
